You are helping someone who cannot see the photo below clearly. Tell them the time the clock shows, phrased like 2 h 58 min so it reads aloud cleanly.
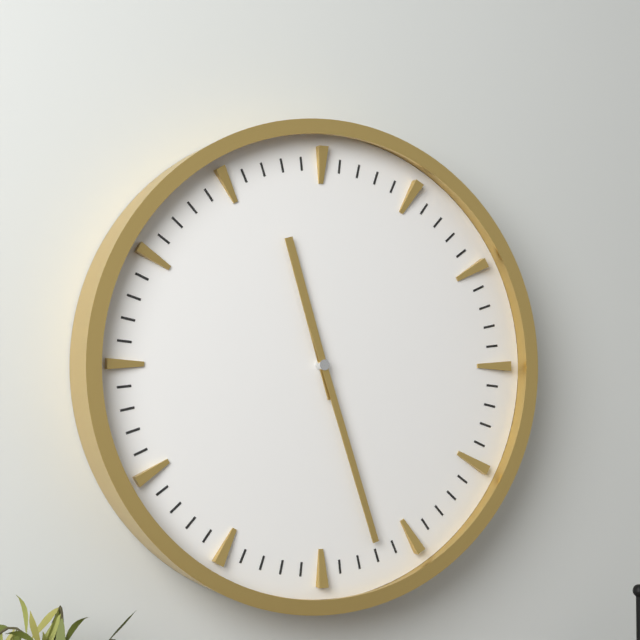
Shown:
11 h 27 min
